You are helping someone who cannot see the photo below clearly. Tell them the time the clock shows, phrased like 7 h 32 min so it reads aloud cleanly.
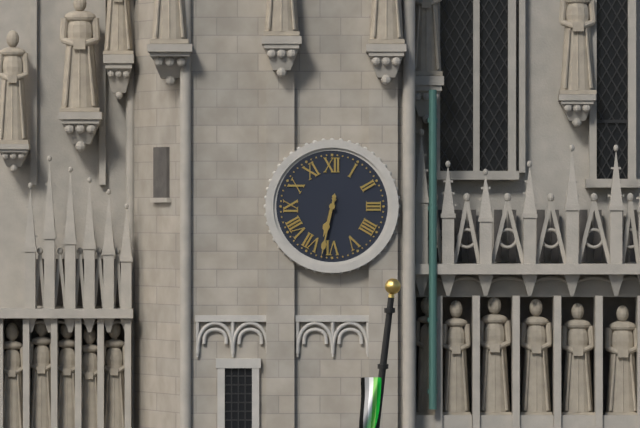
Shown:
6 h 32 min
